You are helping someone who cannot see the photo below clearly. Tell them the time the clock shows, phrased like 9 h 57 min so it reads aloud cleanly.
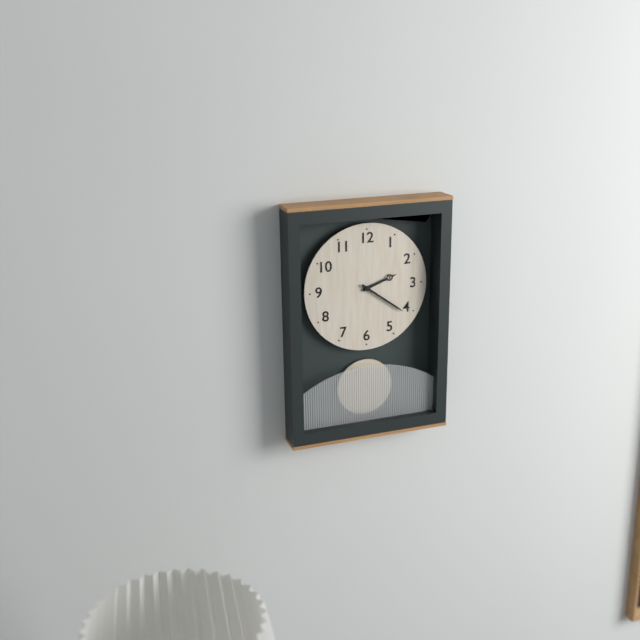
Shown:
2 h 21 min
